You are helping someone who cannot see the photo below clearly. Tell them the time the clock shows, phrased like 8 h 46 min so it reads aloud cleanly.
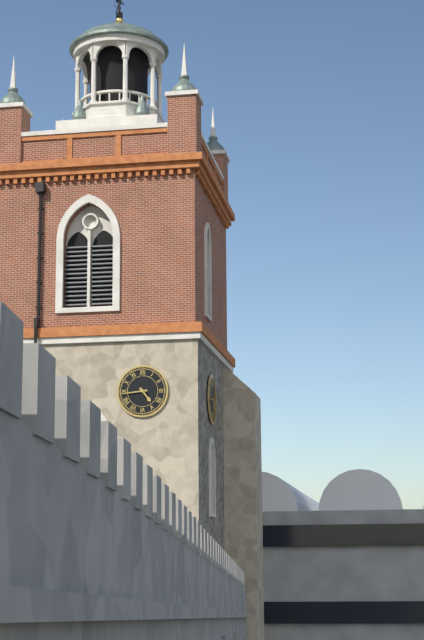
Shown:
4 h 44 min
